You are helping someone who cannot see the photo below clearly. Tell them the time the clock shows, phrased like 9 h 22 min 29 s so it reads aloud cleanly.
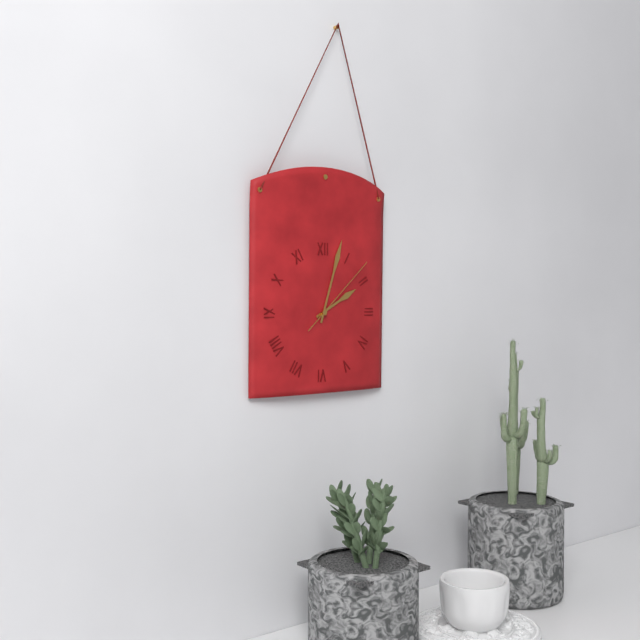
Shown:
2 h 03 min 08 s
